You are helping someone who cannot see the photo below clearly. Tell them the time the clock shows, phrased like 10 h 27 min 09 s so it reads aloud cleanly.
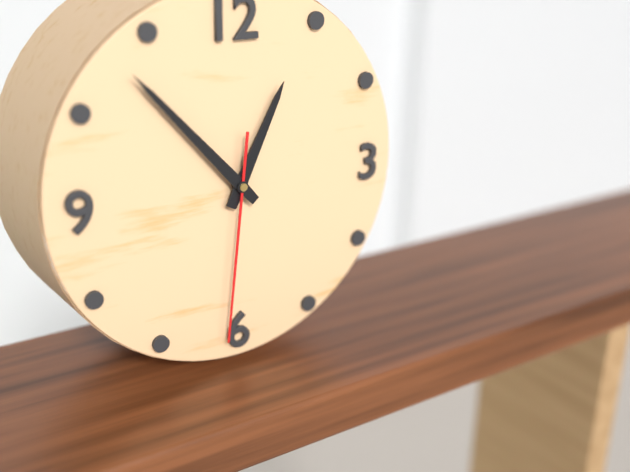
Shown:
12 h 53 min 31 s
